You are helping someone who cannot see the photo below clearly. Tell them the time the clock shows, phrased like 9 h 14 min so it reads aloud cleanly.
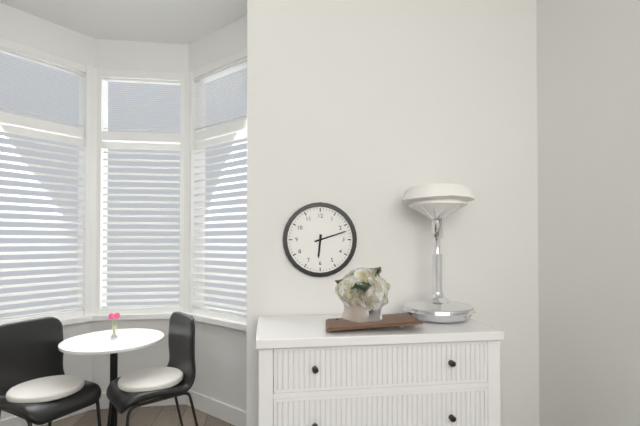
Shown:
6 h 12 min
